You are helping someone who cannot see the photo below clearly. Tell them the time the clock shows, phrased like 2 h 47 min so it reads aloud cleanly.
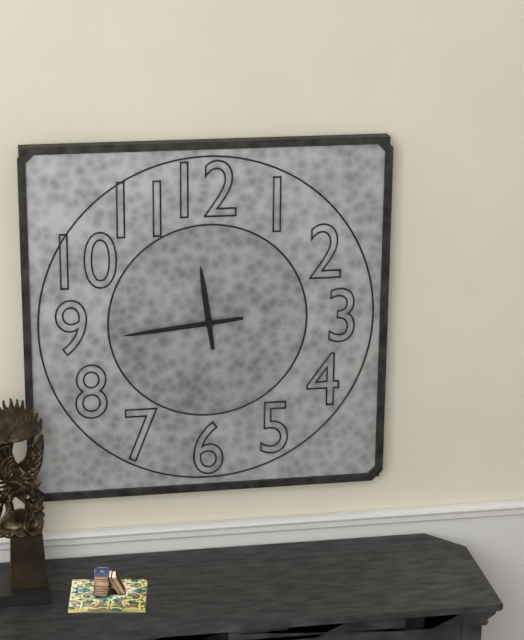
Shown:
11 h 44 min
